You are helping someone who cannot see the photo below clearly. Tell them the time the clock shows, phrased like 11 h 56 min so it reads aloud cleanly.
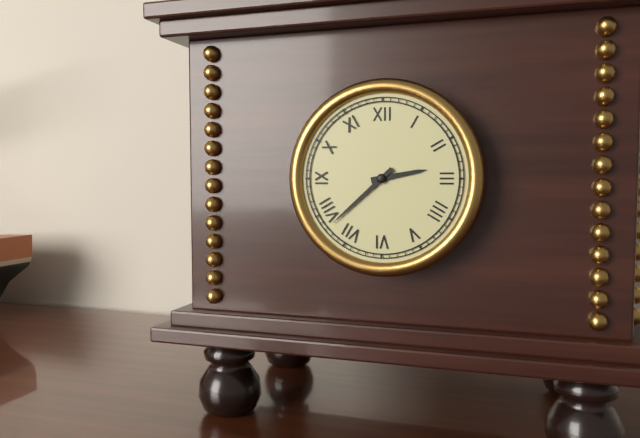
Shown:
2 h 38 min
